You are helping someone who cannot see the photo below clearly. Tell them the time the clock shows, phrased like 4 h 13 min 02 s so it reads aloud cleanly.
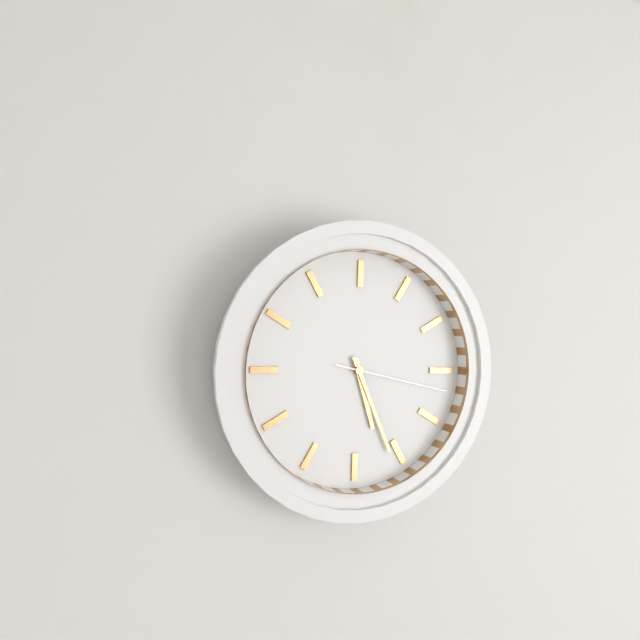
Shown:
5 h 26 min 17 s
